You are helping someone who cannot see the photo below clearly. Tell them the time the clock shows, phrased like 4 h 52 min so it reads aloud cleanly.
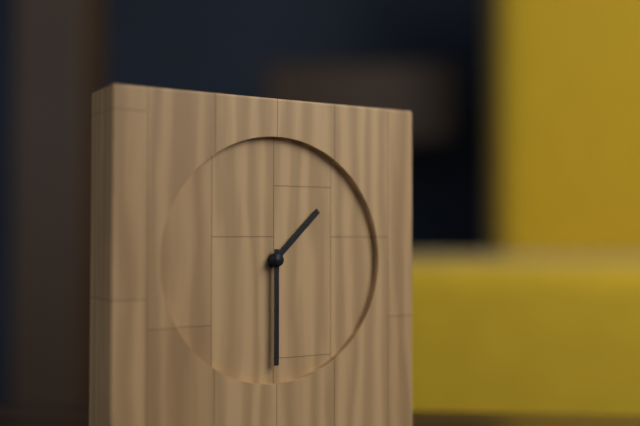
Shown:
1 h 30 min
